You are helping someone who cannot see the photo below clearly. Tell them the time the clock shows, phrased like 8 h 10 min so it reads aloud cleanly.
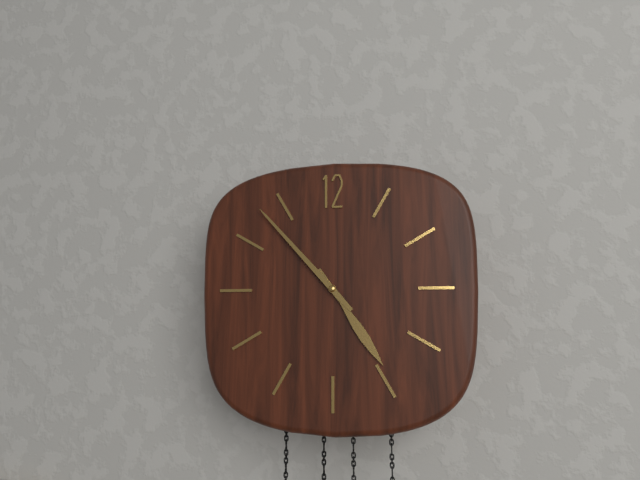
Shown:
4 h 53 min
